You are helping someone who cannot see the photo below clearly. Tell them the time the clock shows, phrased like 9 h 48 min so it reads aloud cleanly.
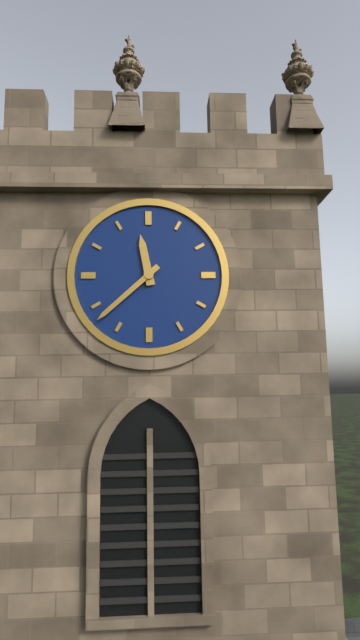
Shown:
11 h 38 min
